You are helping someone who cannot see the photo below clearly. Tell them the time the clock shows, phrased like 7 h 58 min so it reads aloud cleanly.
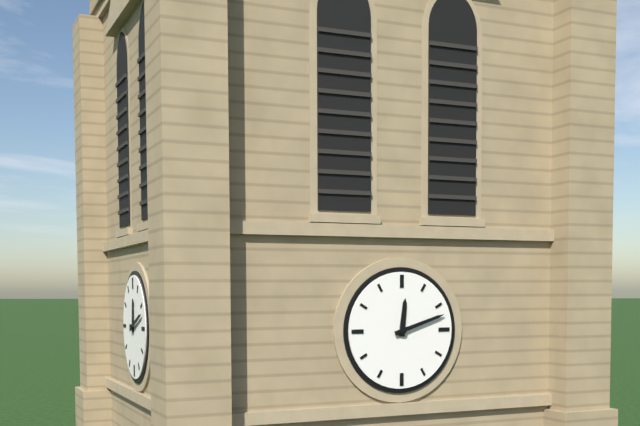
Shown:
12 h 12 min
